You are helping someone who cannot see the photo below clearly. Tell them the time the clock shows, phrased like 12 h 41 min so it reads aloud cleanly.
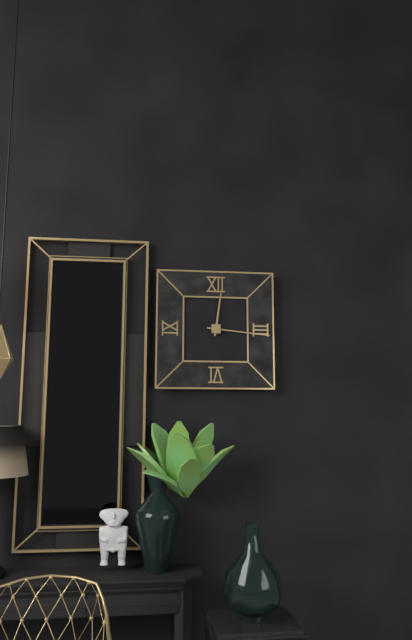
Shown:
12 h 16 min
